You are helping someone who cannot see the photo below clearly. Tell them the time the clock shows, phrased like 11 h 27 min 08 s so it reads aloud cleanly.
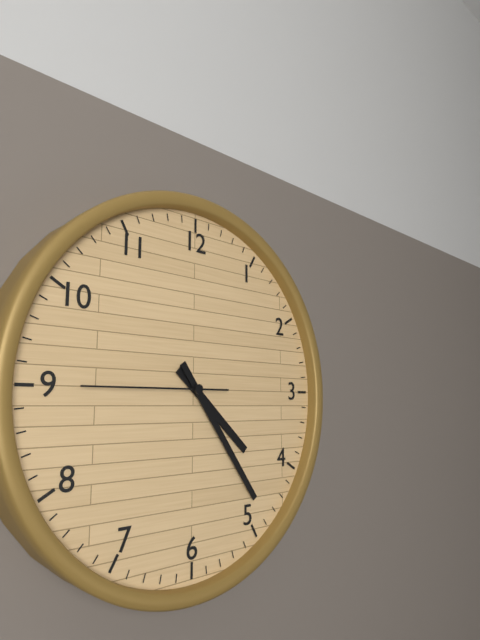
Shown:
4 h 24 min 45 s
